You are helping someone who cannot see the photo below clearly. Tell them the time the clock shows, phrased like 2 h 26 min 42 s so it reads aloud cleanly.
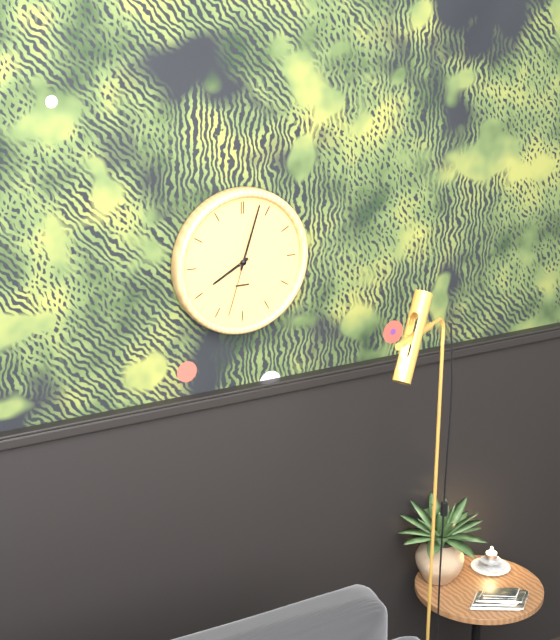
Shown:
8 h 03 min 33 s
